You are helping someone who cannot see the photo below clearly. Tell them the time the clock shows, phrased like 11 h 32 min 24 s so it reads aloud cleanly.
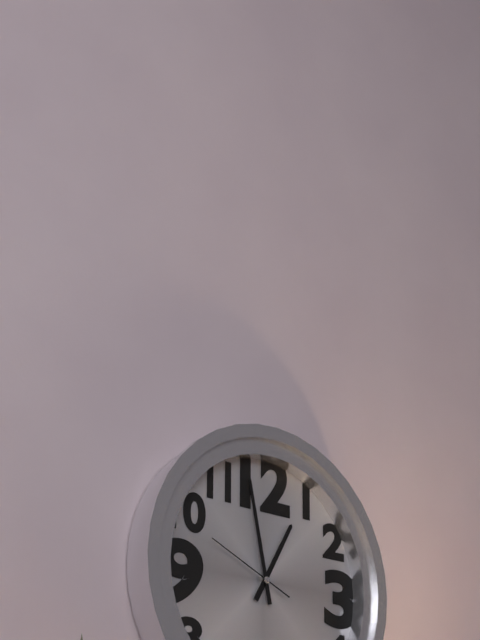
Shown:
12 h 58 min 49 s
